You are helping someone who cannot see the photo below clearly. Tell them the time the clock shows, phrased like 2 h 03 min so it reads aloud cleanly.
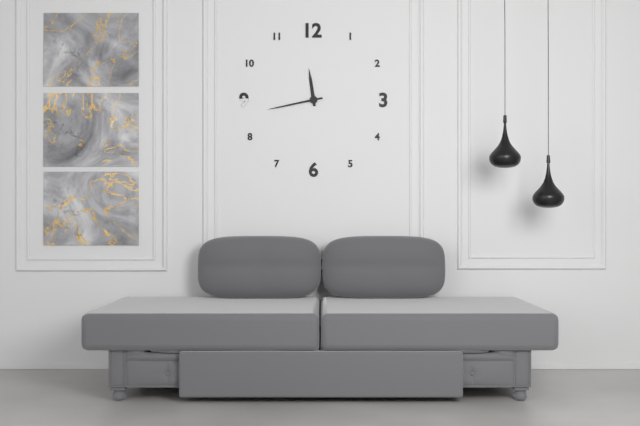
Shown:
11 h 43 min
